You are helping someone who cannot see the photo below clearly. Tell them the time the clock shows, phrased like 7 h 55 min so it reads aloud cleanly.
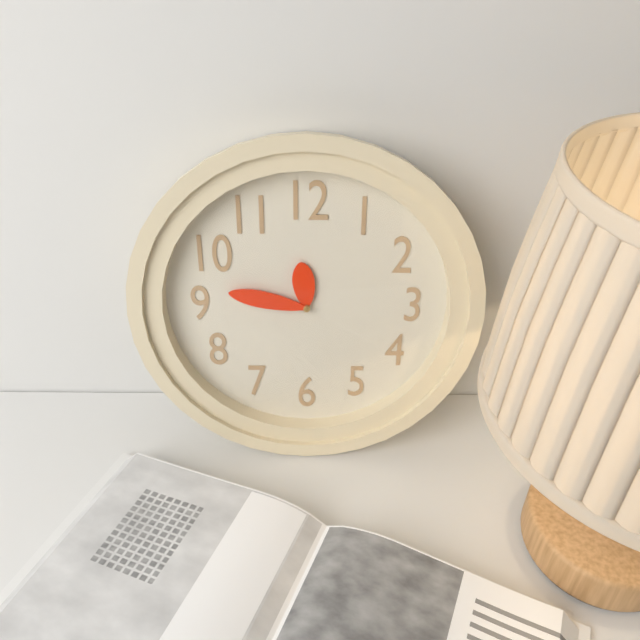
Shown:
11 h 47 min
